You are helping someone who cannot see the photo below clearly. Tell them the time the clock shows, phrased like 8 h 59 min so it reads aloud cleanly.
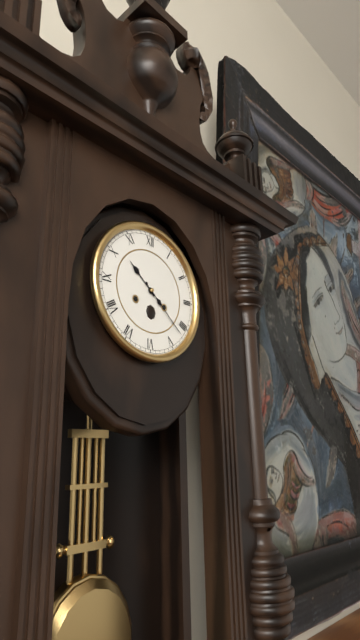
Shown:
10 h 22 min
